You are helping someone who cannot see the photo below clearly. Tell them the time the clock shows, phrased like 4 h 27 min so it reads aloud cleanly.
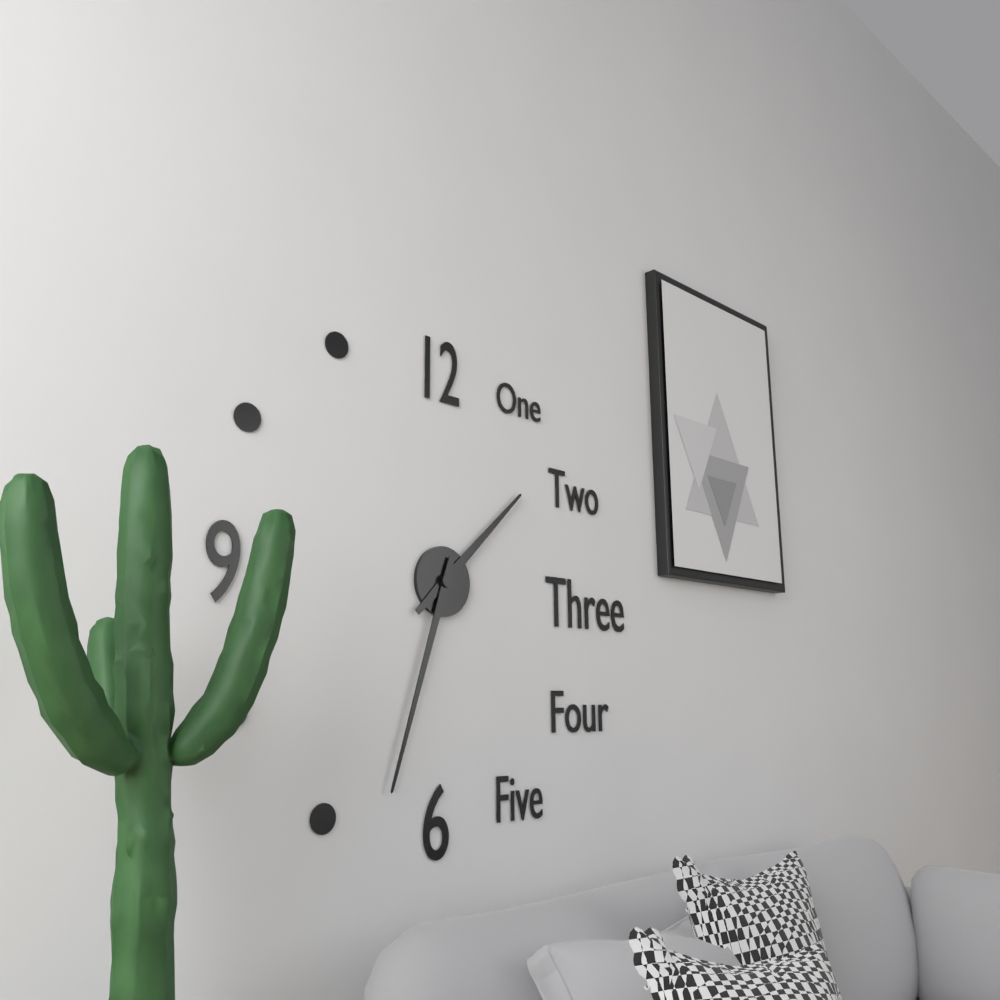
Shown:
1 h 33 min
